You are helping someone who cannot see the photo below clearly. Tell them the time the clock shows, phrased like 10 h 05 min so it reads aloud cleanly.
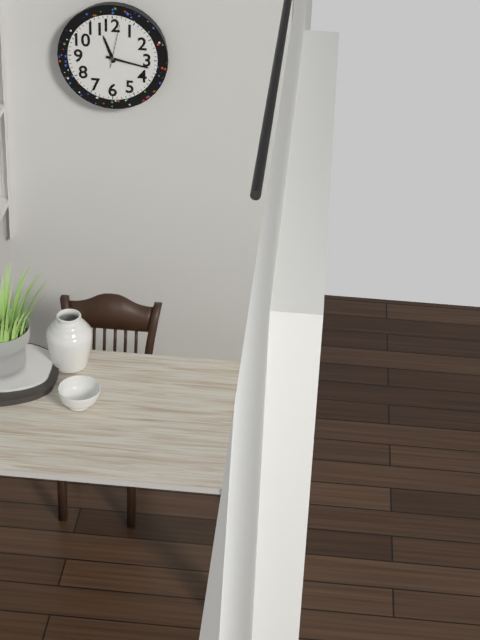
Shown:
11 h 17 min
